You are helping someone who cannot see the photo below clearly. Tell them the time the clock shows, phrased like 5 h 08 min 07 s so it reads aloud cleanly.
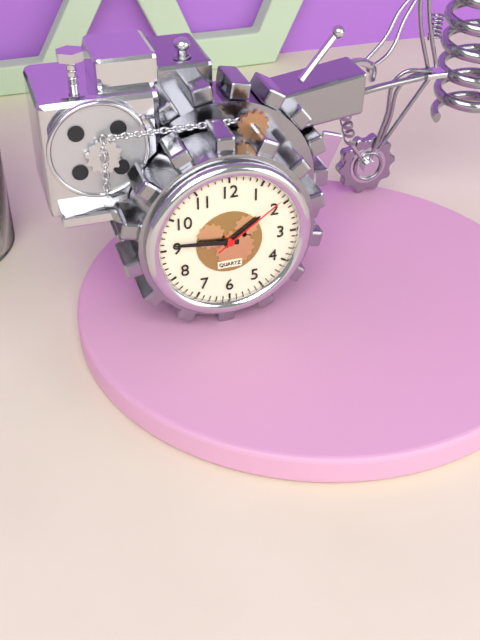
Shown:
1 h 46 min 09 s
